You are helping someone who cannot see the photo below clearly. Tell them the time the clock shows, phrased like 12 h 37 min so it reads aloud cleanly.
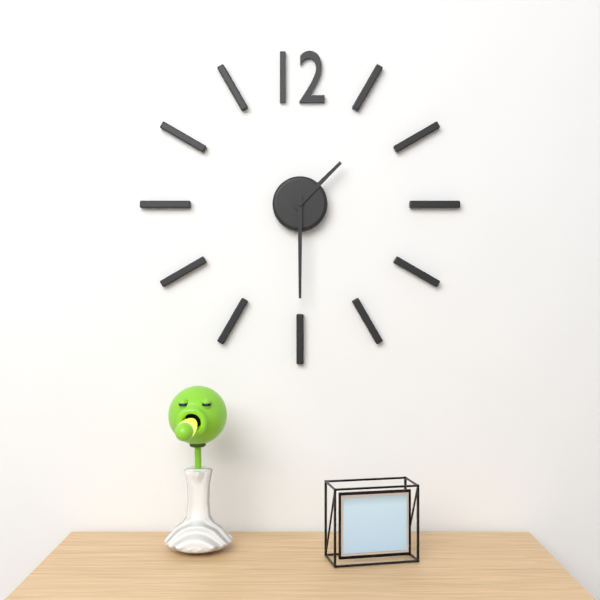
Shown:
1 h 30 min
